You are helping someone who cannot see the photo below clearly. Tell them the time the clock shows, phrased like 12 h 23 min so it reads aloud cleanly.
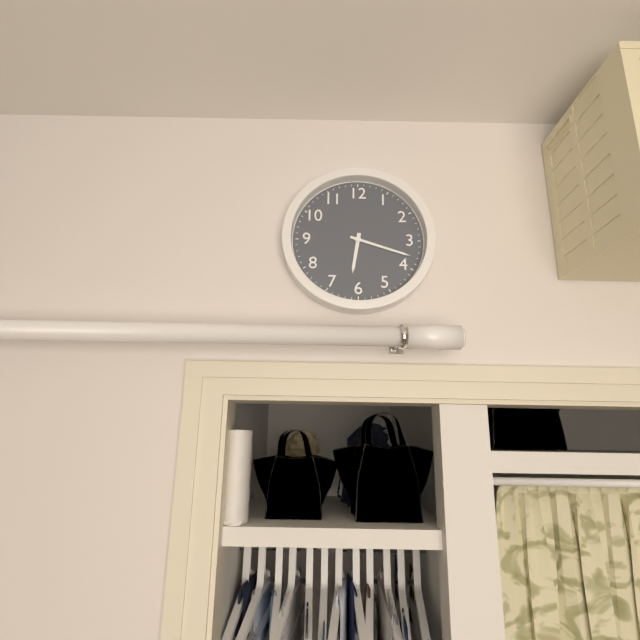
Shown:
6 h 18 min
